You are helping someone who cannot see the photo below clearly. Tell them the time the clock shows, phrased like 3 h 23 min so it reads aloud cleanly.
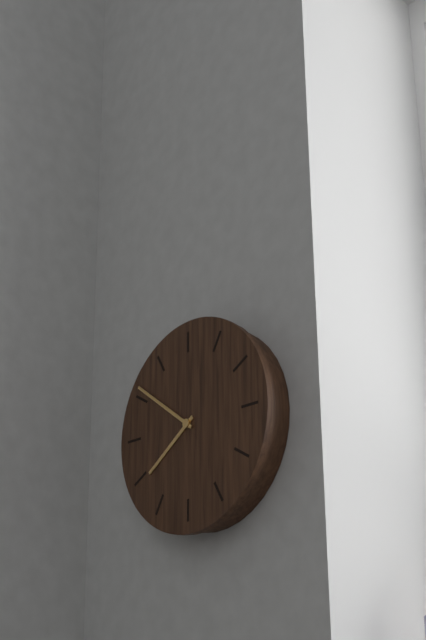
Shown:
7 h 51 min
